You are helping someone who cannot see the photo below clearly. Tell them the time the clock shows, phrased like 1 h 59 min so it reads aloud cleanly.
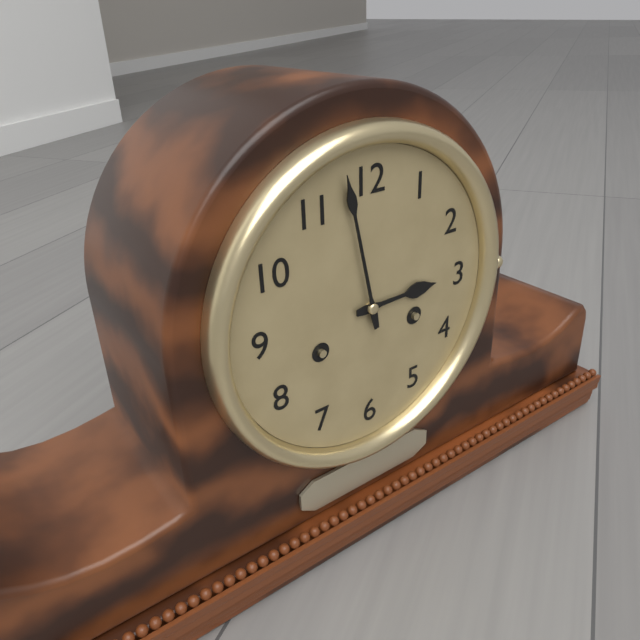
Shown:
2 h 58 min
